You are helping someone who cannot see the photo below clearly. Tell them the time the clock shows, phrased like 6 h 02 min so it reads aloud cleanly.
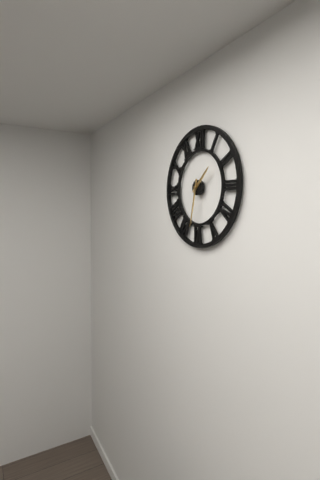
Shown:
1 h 32 min
